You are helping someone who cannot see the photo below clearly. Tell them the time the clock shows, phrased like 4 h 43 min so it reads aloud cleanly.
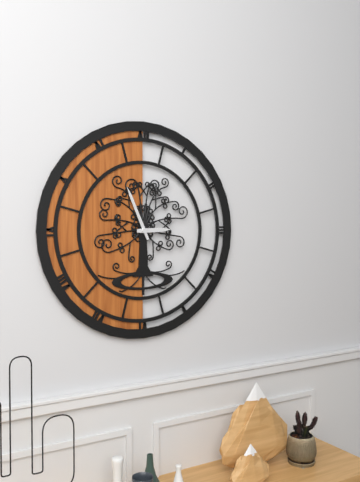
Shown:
2 h 56 min
